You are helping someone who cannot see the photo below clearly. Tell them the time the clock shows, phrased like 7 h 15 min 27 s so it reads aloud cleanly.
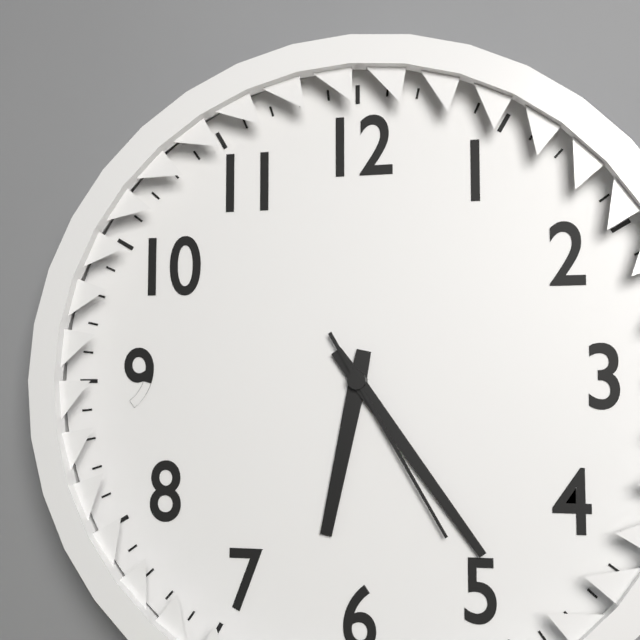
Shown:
6 h 24 min 25 s
